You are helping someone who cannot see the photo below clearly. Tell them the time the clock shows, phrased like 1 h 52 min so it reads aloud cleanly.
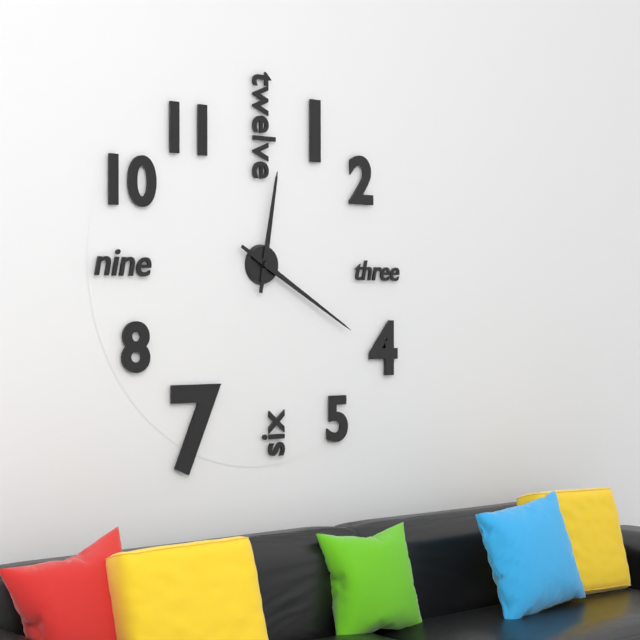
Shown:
12 h 20 min
